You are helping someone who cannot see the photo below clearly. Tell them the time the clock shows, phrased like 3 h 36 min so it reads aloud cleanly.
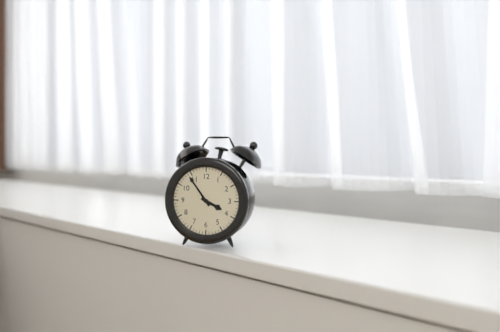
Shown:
3 h 54 min
